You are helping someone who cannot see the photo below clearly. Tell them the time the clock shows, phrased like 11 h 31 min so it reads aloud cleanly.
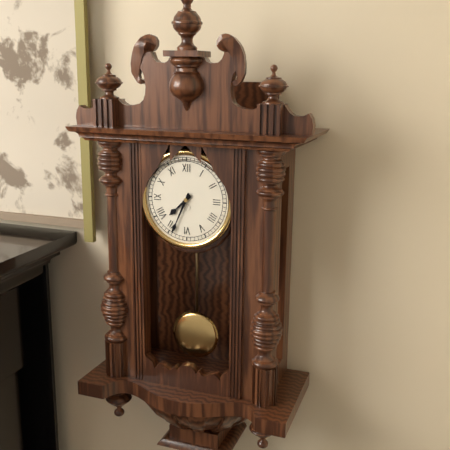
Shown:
7 h 34 min
